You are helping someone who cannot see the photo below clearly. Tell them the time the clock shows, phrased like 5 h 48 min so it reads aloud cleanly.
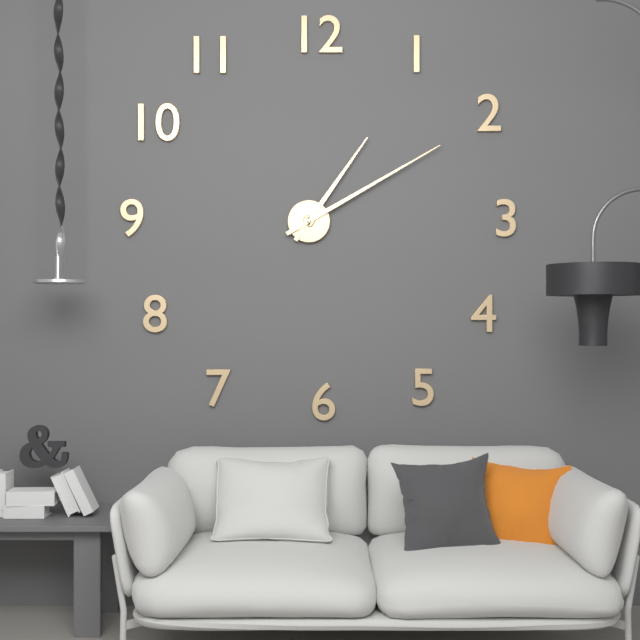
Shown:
1 h 10 min
